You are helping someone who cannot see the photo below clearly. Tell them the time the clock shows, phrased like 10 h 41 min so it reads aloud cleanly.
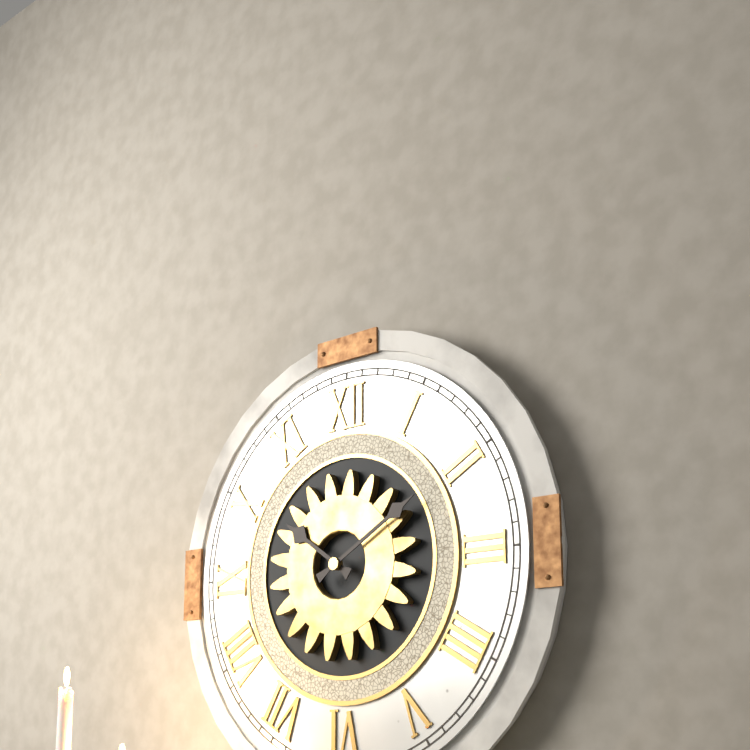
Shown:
10 h 10 min
